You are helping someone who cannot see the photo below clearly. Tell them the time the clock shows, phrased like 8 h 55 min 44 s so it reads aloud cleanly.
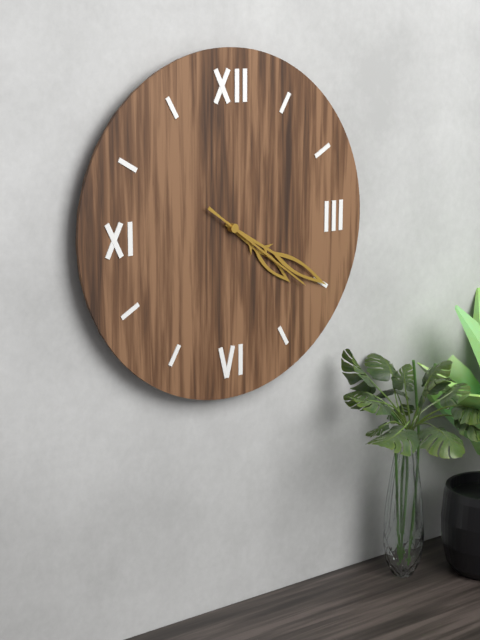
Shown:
4 h 20 min 21 s
